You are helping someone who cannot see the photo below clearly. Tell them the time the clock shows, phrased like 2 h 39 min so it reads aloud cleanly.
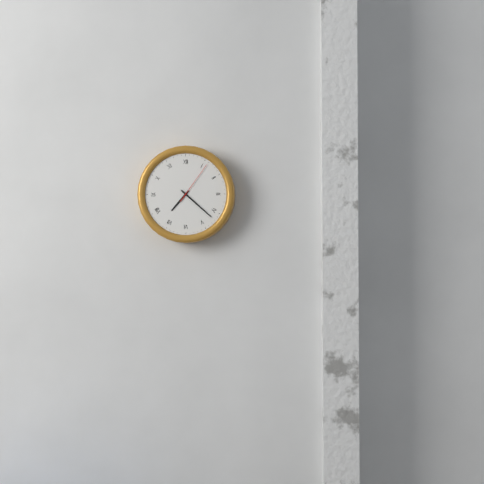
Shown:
7 h 22 min
